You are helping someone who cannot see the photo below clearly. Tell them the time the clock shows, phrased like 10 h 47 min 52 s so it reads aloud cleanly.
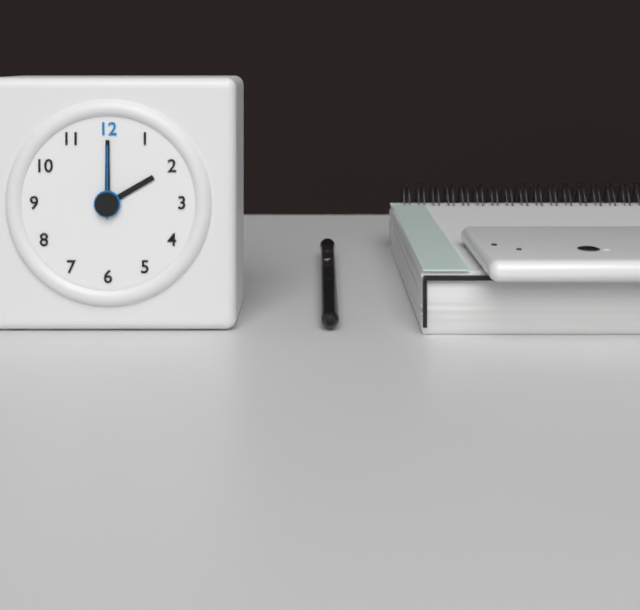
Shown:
2 h 00 min 00 s
